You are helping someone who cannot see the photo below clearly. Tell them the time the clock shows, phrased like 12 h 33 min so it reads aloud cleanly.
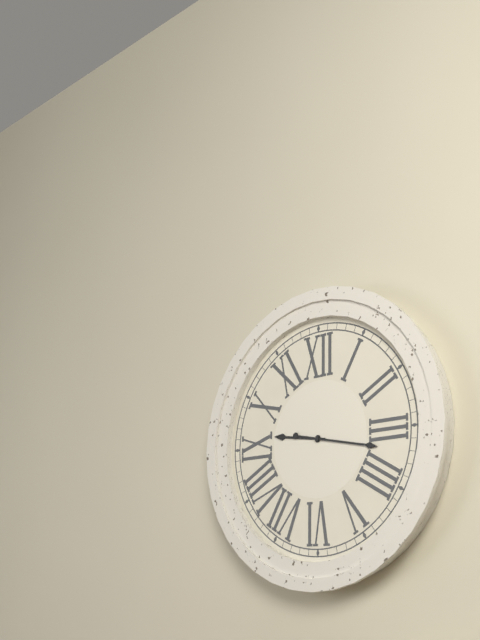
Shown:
9 h 17 min
